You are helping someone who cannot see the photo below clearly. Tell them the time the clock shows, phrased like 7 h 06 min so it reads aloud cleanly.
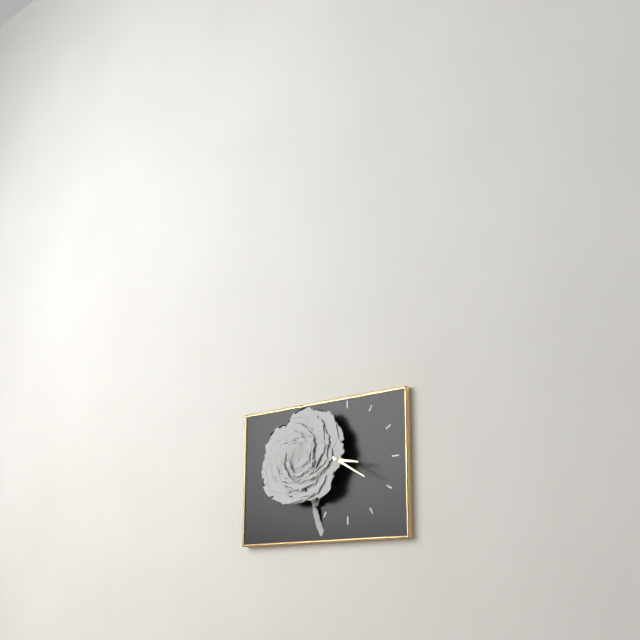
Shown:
3 h 20 min
